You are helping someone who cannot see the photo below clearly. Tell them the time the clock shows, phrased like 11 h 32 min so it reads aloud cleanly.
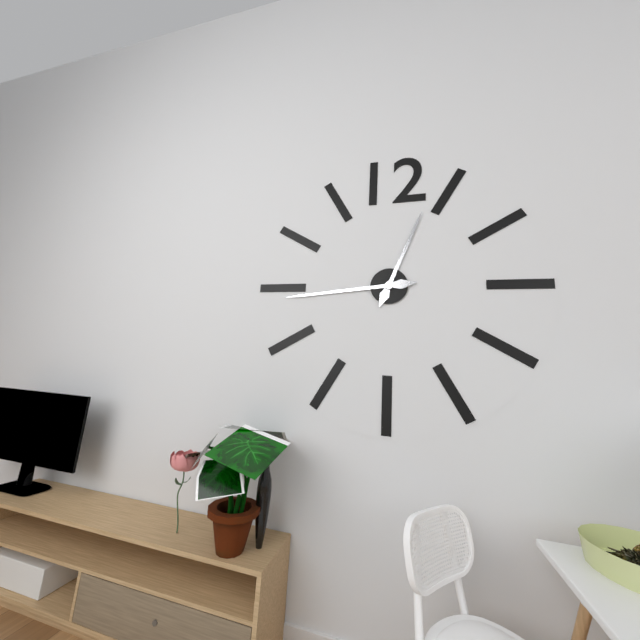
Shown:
12 h 44 min
